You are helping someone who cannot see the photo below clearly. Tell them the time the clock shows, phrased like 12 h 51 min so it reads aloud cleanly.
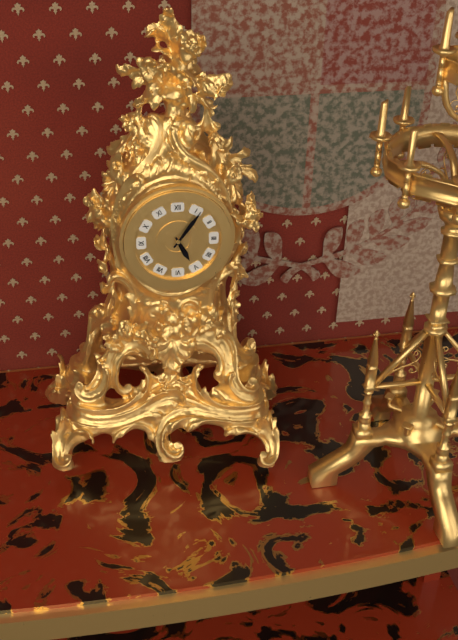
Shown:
5 h 06 min
